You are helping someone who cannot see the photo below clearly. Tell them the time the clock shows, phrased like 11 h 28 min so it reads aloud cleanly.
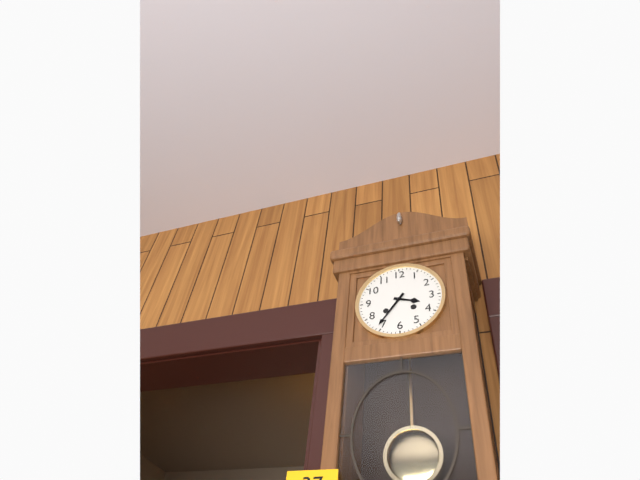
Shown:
3 h 36 min
